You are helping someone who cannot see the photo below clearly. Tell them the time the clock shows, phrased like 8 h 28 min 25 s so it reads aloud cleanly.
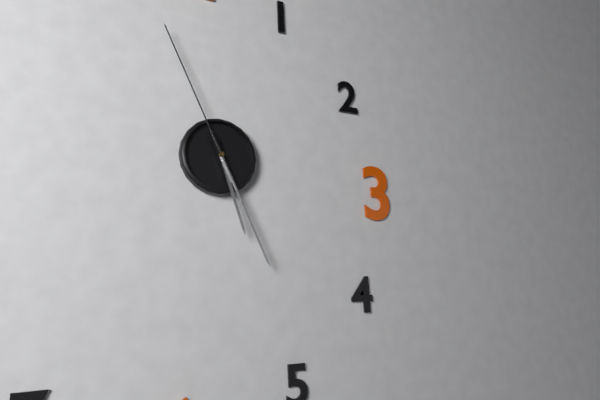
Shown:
5 h 26 min 56 s
